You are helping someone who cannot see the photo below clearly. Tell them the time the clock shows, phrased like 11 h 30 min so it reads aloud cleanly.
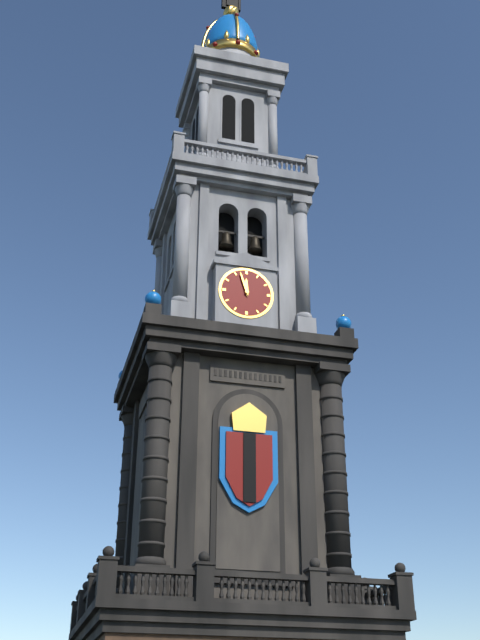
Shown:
11 h 57 min
